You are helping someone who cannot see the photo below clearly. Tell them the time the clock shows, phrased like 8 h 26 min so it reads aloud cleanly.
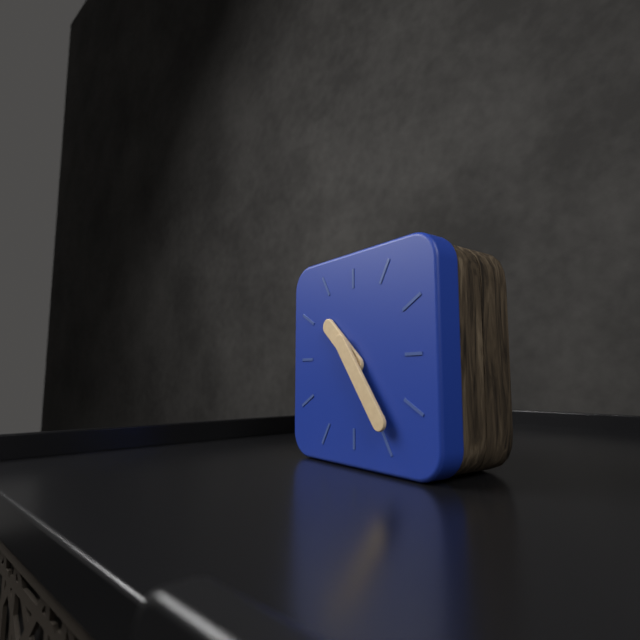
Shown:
10 h 24 min
